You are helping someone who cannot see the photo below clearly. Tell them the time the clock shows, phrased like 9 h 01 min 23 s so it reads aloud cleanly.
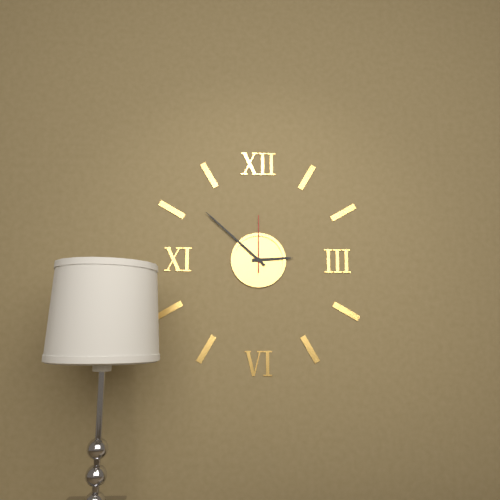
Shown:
2 h 52 min 00 s
